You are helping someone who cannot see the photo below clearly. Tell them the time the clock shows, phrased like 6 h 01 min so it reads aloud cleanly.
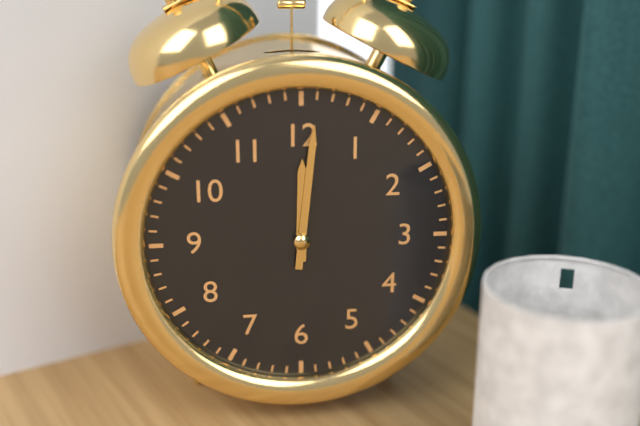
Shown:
12 h 01 min
